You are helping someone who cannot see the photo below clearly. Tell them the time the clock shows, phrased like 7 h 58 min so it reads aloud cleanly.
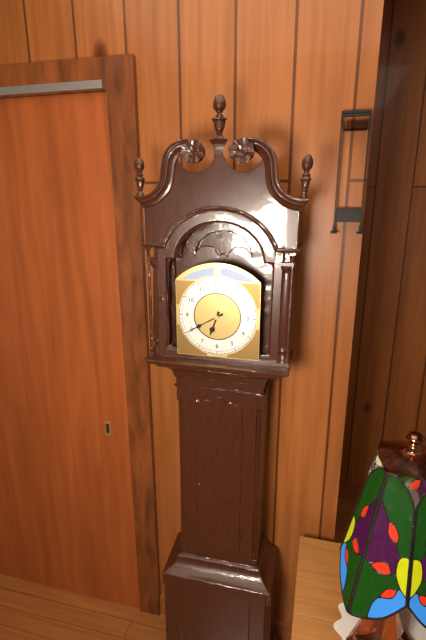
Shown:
6 h 40 min
